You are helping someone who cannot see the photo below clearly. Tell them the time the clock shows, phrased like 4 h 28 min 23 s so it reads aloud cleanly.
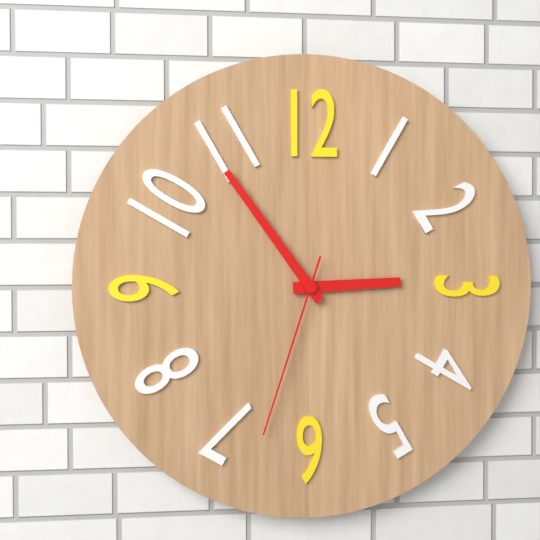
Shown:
2 h 54 min 33 s
